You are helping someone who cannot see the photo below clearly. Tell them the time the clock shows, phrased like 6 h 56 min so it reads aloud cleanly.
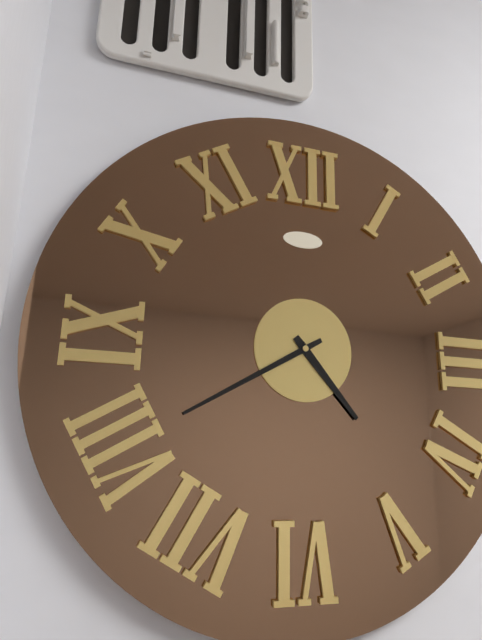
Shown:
4 h 40 min
